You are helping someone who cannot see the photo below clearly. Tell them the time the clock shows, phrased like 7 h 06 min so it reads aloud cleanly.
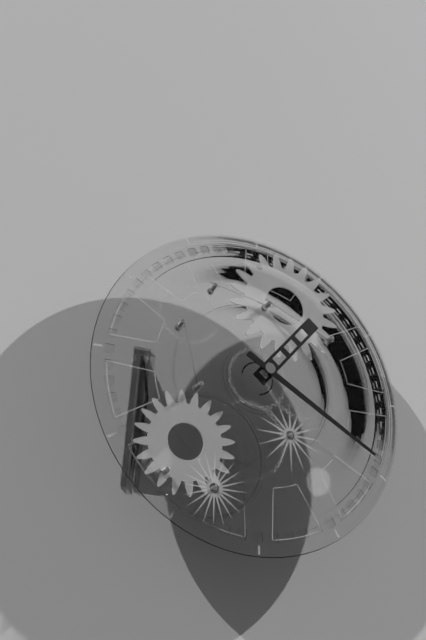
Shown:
1 h 20 min
